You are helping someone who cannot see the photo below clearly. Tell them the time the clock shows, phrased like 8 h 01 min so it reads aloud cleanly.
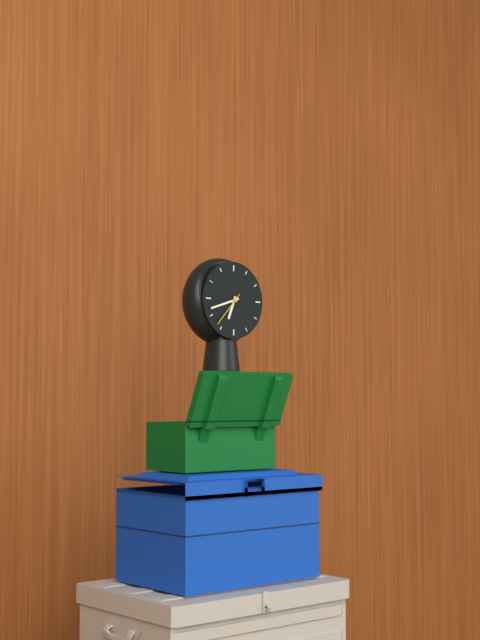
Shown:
6 h 42 min
